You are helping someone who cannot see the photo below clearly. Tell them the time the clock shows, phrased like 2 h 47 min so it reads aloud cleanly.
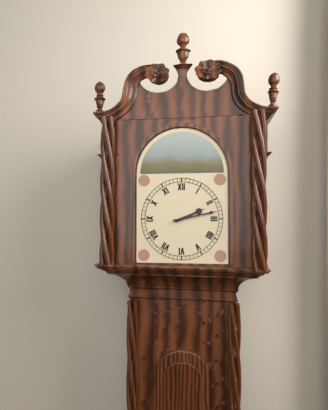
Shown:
2 h 13 min
